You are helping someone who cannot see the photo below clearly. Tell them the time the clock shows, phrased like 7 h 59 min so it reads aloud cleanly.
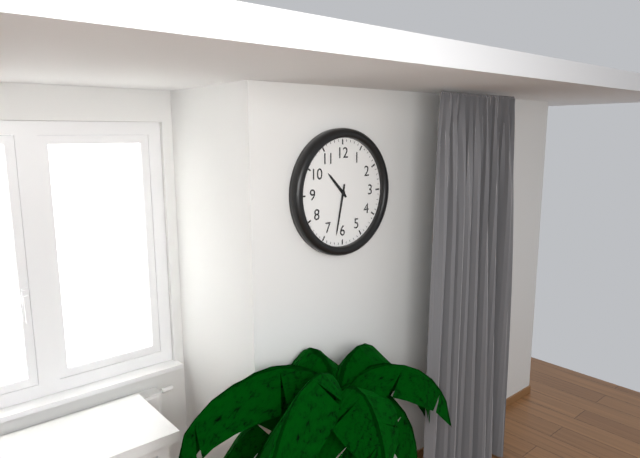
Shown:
10 h 32 min
